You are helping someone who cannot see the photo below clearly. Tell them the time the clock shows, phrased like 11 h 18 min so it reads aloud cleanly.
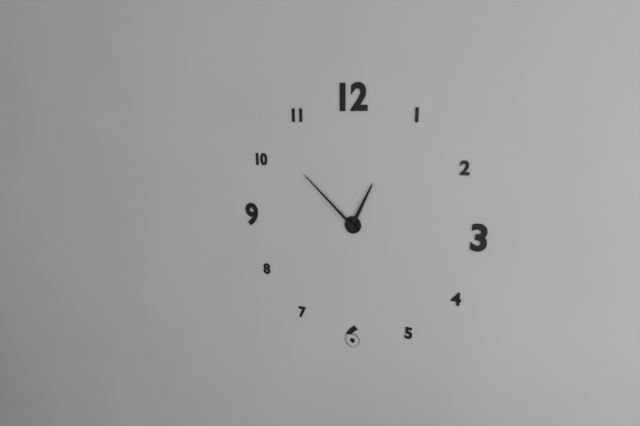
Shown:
12 h 52 min
